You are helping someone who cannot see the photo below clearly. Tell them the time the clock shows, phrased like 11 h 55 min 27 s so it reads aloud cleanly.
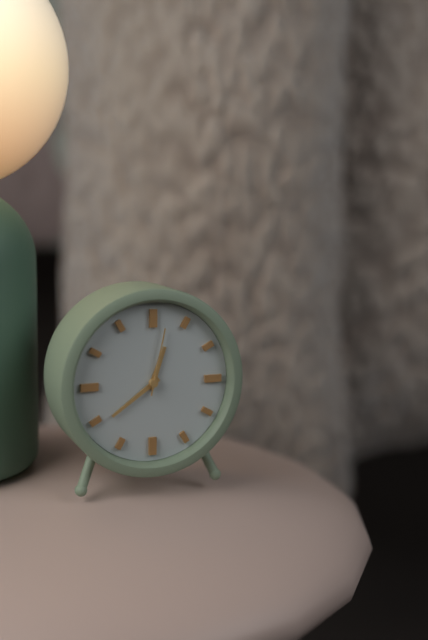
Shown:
12 h 39 min 02 s
